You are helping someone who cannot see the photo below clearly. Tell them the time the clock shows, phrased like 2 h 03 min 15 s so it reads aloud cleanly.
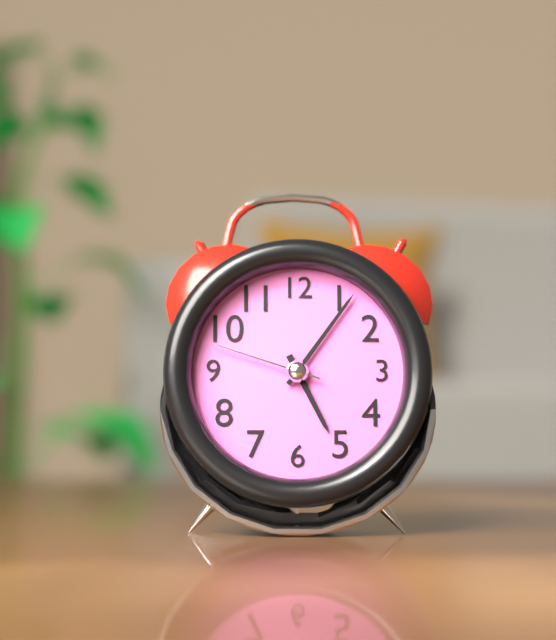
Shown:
5 h 06 min 48 s
